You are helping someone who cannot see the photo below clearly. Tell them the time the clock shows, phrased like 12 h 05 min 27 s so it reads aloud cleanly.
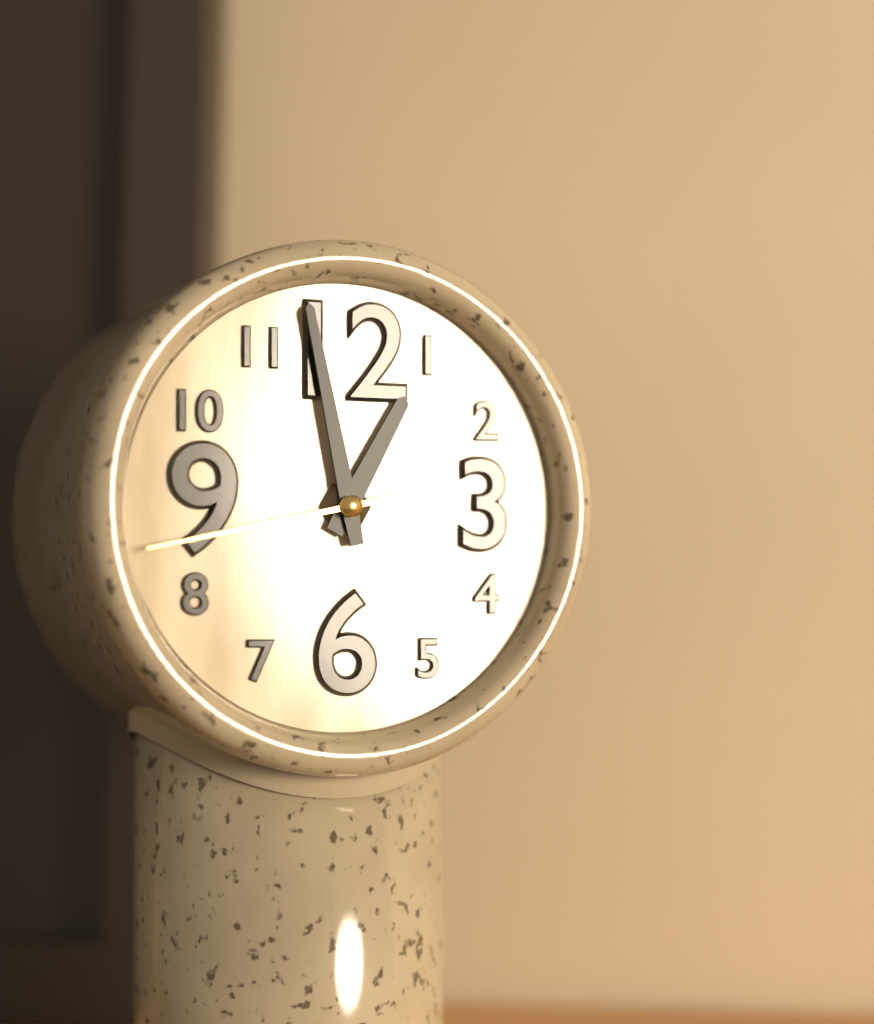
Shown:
12 h 58 min 43 s
